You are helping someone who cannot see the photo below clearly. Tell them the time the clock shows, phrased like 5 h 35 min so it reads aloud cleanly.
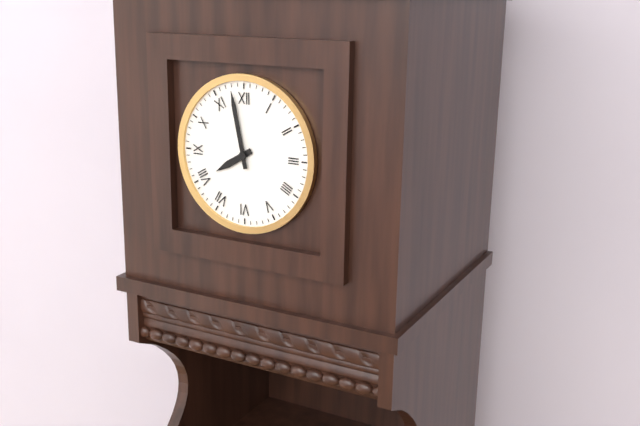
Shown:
7 h 58 min
